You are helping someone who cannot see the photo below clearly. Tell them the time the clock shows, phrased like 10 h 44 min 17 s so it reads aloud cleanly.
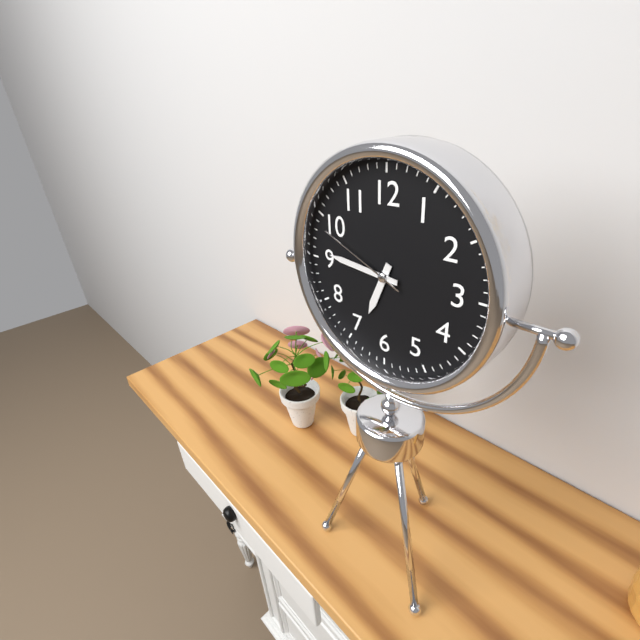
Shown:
6 h 46 min 49 s
